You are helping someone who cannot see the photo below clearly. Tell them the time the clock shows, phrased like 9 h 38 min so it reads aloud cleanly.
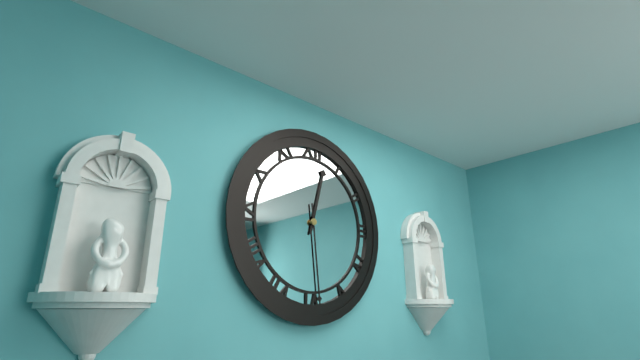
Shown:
12 h 29 min
